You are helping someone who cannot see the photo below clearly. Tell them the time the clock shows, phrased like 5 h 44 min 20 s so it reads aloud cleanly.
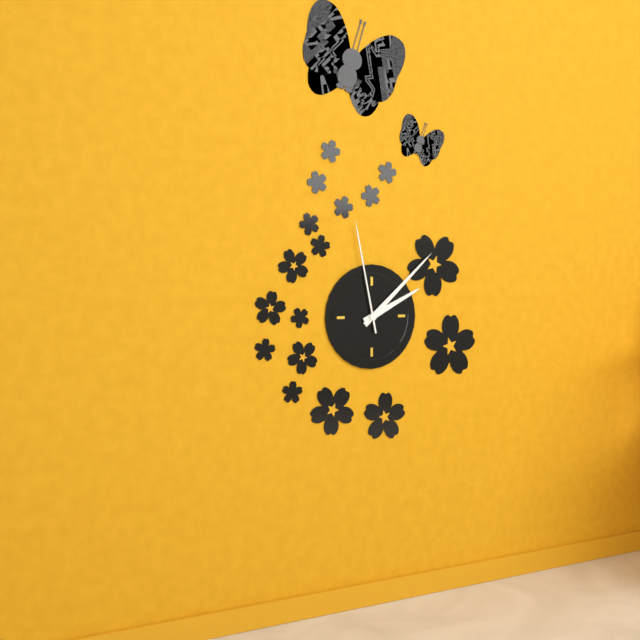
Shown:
2 h 08 min 58 s
